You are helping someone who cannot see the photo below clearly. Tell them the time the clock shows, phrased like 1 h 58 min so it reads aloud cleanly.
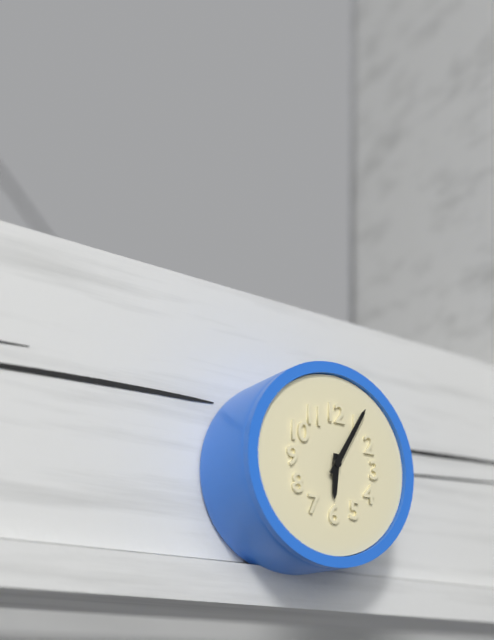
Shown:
6 h 05 min
